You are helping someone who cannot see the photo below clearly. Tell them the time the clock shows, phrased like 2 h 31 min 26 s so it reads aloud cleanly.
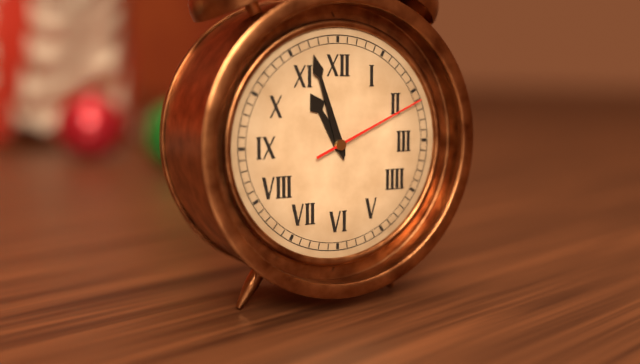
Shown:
10 h 57 min 11 s
